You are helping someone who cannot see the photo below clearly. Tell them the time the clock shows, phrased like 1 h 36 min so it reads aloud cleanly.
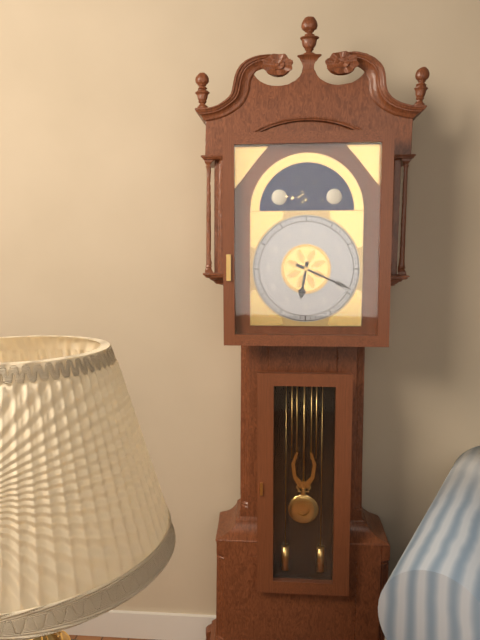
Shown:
6 h 19 min
